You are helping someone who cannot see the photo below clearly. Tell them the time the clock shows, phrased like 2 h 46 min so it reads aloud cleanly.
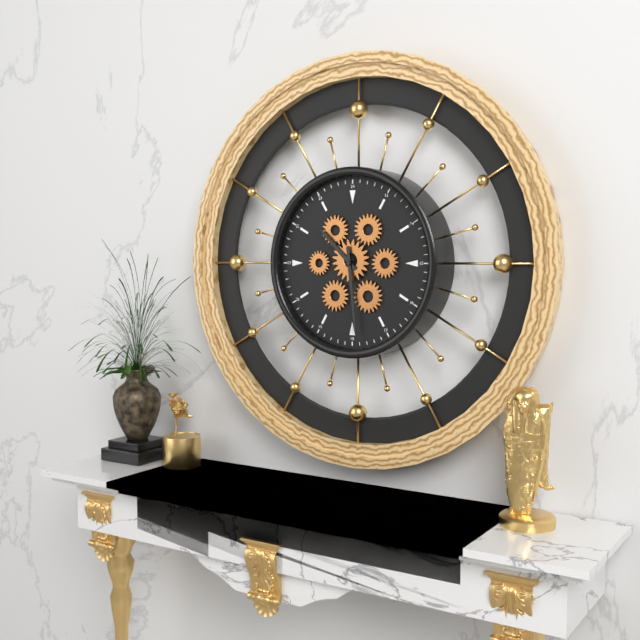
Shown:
10 h 29 min
